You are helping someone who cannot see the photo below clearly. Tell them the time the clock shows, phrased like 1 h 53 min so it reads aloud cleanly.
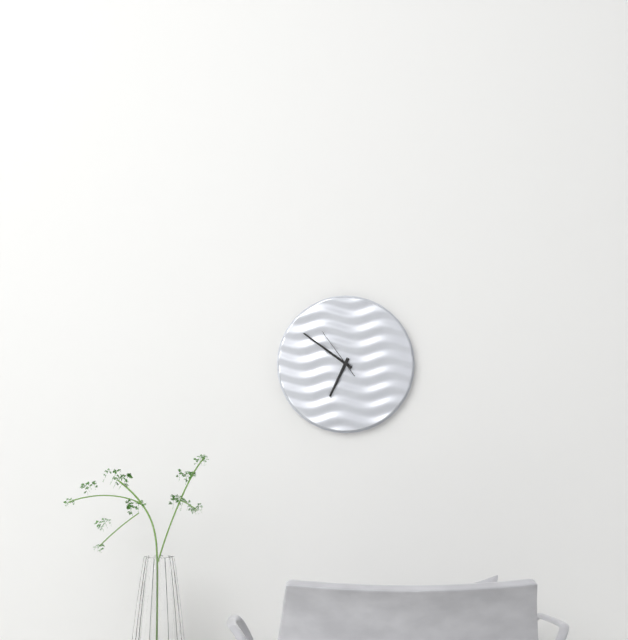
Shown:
6 h 51 min
